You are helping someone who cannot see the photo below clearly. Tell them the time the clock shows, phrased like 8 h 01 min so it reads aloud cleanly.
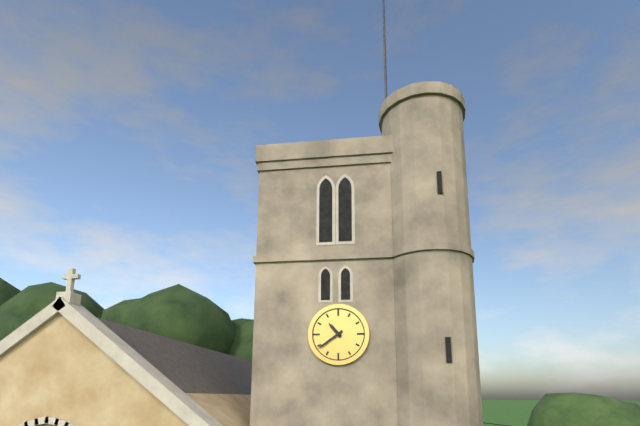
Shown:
10 h 39 min
